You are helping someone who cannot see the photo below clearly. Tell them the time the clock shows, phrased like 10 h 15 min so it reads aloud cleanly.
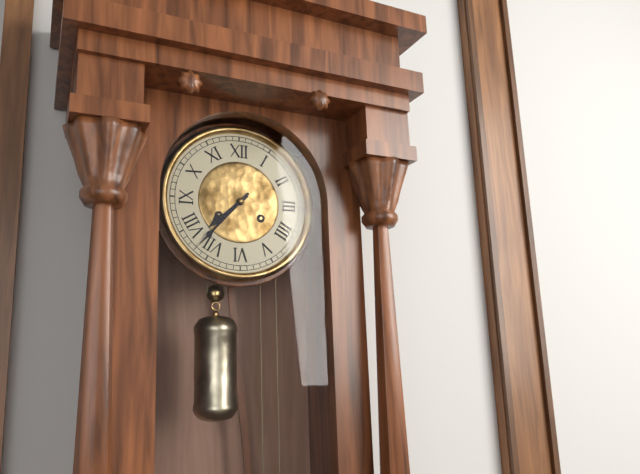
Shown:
7 h 37 min
